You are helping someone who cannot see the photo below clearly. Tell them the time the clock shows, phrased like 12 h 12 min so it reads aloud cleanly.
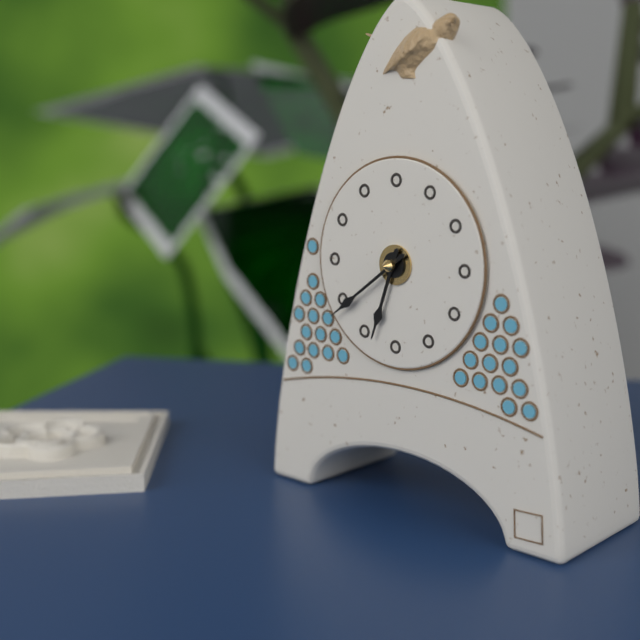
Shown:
6 h 39 min
